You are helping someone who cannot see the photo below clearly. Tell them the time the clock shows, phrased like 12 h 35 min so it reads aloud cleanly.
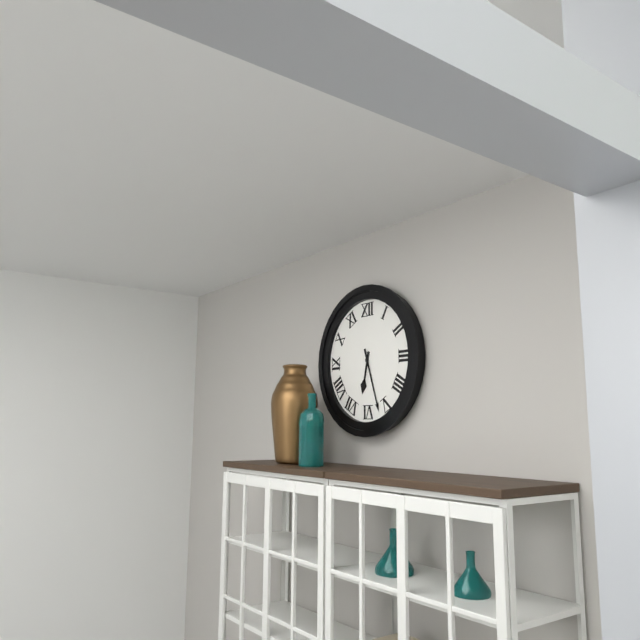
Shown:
6 h 27 min
